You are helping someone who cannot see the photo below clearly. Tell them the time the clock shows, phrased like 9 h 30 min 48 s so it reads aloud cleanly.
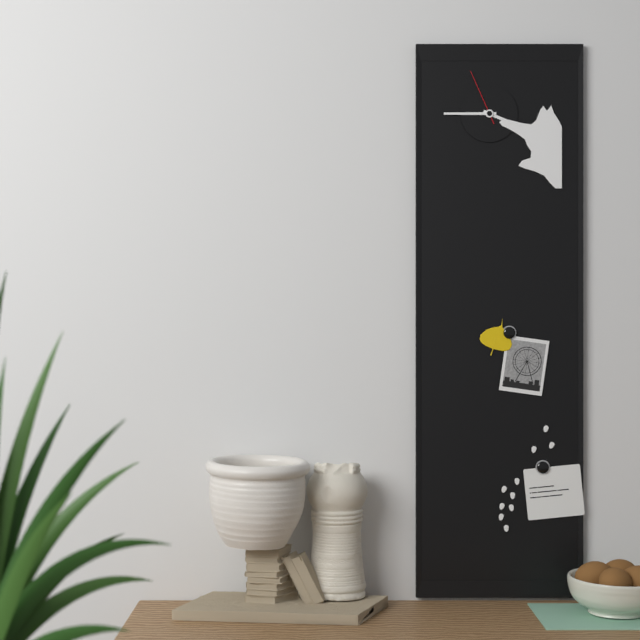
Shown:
3 h 45 min 56 s
